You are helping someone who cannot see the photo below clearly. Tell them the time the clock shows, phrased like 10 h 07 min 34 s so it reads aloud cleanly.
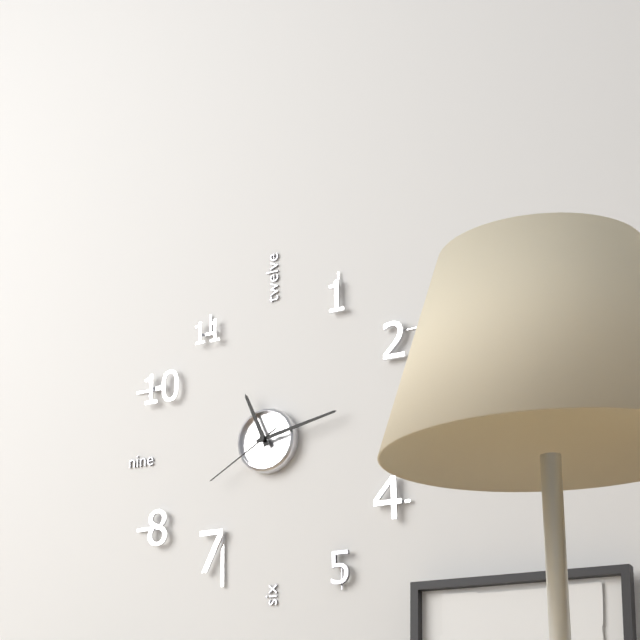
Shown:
11 h 13 min 40 s
